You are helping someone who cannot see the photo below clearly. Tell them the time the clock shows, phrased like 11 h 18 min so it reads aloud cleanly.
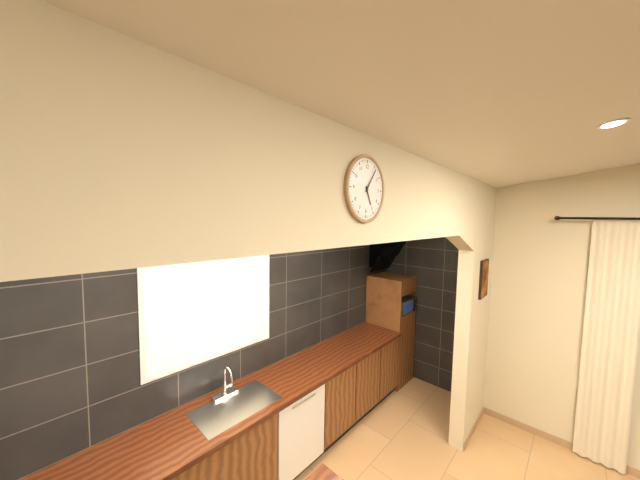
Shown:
5 h 06 min
